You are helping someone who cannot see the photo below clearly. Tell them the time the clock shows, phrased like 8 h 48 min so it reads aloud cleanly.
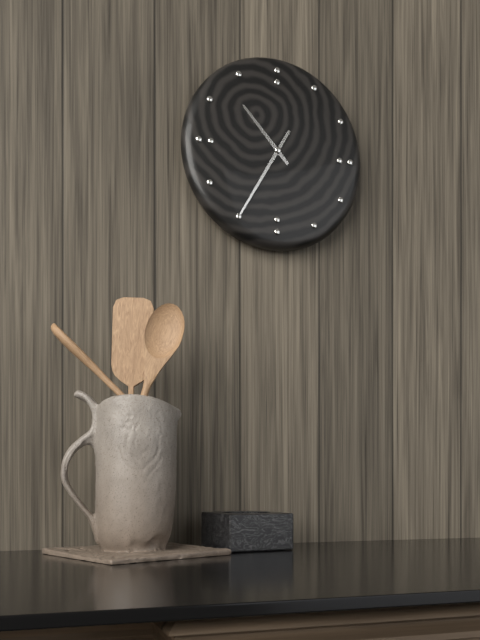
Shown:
10 h 35 min
